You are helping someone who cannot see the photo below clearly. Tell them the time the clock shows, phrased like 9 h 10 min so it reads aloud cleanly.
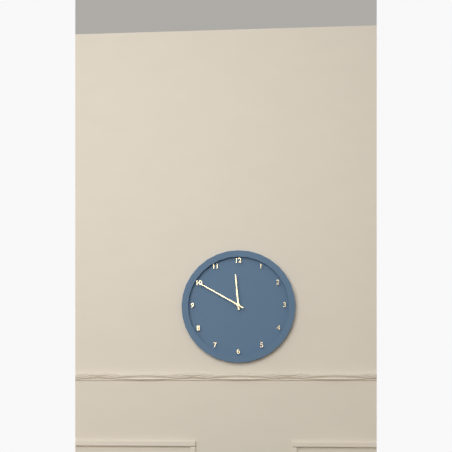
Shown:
11 h 50 min
